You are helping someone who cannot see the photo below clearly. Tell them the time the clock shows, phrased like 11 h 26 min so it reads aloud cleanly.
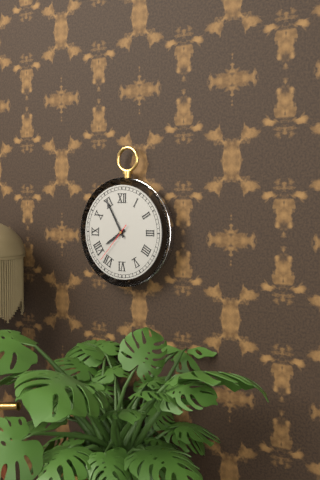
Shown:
7 h 55 min
